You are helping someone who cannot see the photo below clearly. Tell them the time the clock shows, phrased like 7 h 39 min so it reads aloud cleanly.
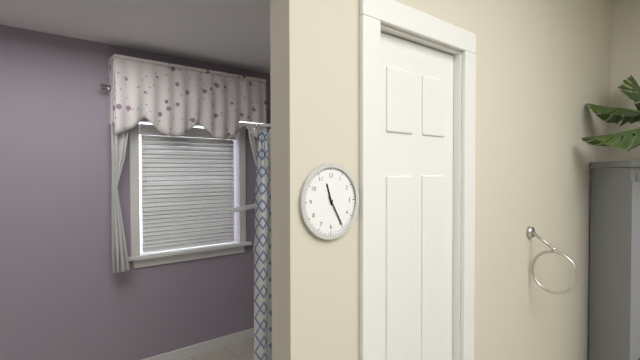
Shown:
11 h 25 min
